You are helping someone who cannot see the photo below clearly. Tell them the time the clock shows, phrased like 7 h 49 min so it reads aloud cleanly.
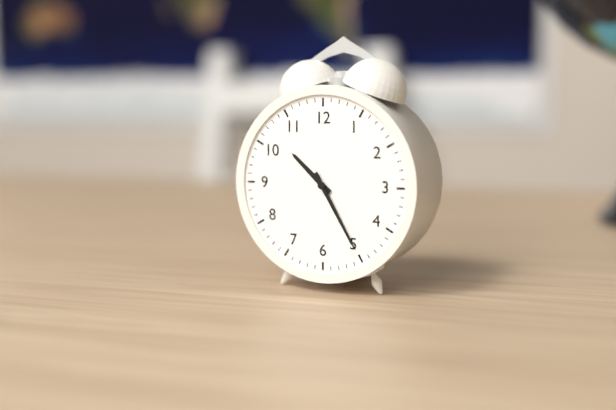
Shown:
10 h 25 min
